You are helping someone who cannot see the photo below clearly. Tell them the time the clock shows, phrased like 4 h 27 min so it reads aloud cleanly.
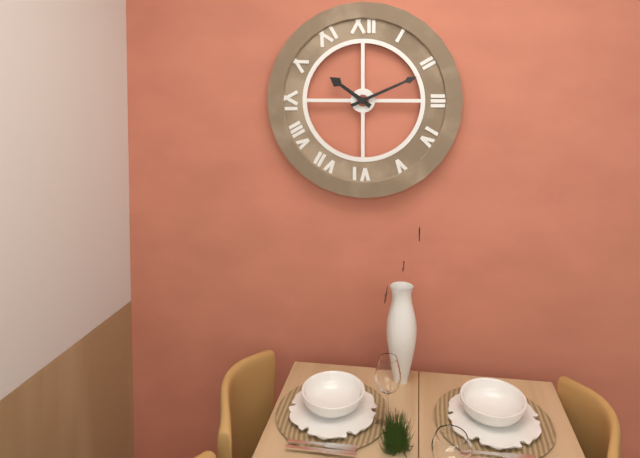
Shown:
10 h 11 min
